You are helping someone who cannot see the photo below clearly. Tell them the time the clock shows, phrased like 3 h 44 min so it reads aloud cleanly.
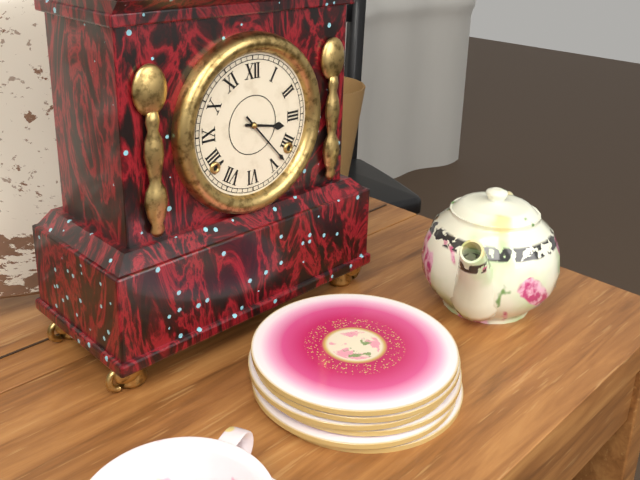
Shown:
3 h 23 min
